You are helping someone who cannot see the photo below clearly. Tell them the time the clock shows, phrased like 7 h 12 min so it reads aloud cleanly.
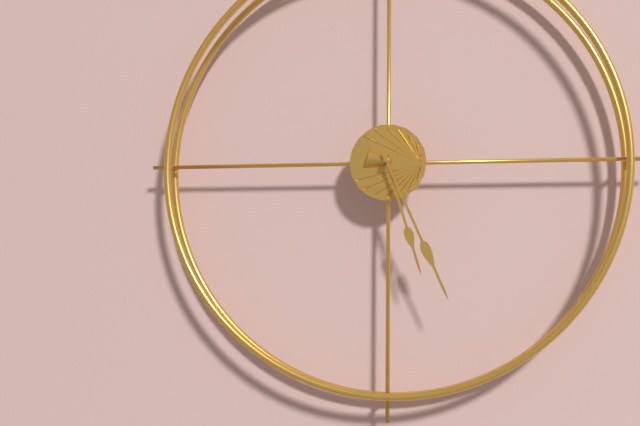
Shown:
5 h 26 min
